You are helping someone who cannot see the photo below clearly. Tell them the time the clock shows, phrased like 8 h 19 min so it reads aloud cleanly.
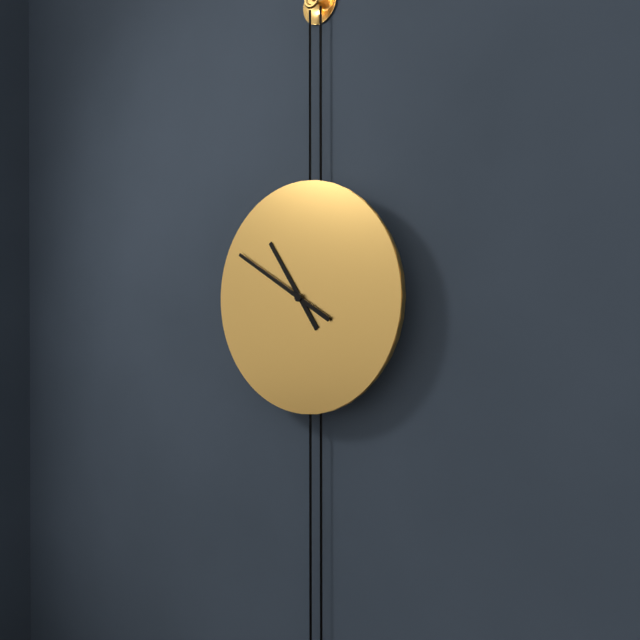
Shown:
10 h 50 min
